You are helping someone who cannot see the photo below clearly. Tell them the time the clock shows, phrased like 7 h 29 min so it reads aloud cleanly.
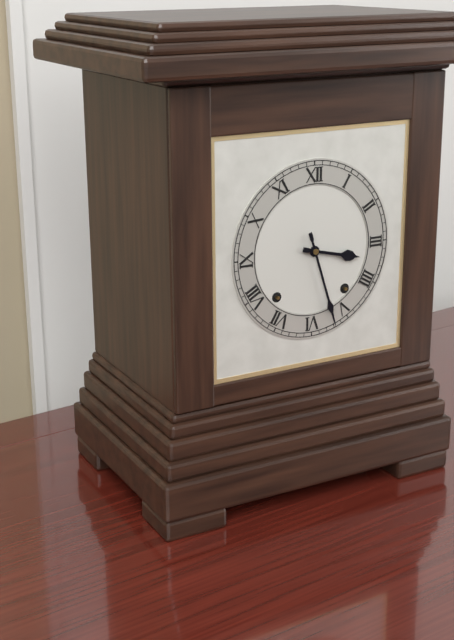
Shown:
3 h 27 min
